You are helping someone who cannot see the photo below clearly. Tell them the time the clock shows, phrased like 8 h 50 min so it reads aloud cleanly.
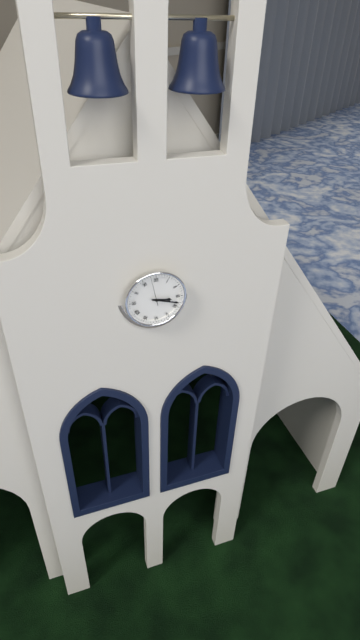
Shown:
3 h 18 min
